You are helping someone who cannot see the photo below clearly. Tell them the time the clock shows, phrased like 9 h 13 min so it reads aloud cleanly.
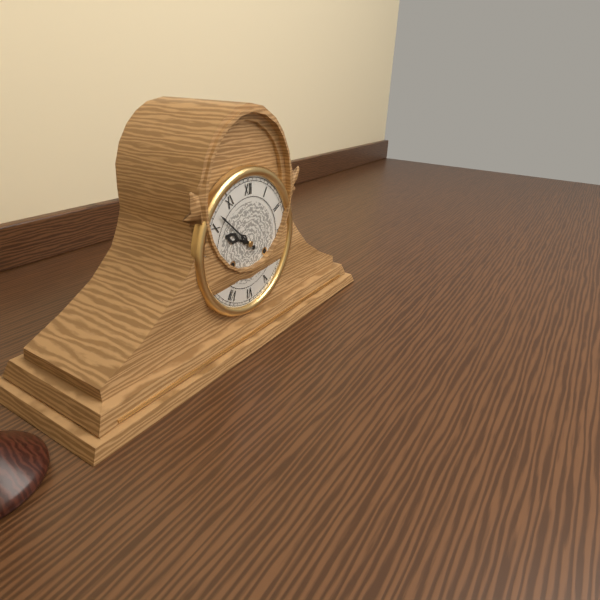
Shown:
9 h 52 min
